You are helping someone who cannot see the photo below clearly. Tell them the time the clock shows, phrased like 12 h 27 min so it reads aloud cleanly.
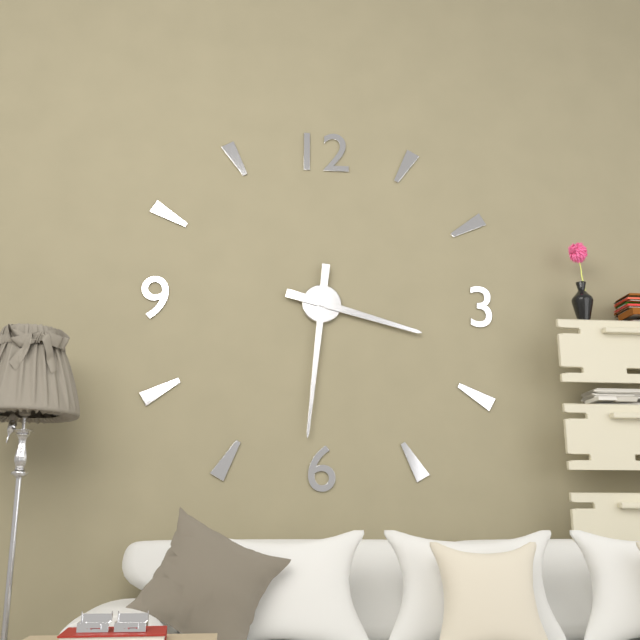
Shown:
3 h 31 min
